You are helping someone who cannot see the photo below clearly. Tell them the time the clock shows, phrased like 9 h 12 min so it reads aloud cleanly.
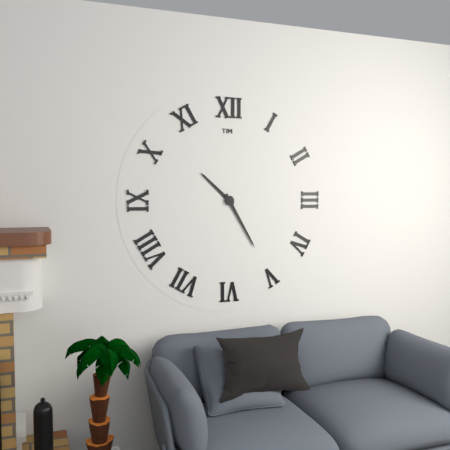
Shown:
10 h 25 min
